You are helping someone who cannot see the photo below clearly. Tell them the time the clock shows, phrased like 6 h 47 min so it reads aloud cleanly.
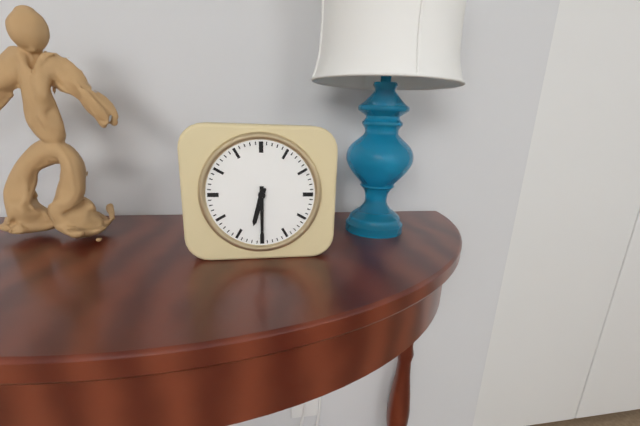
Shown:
6 h 30 min
